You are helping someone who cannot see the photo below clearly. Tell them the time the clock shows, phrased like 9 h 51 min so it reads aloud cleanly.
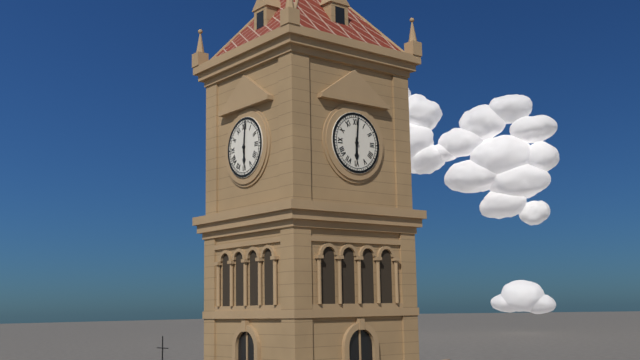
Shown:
6 h 01 min
